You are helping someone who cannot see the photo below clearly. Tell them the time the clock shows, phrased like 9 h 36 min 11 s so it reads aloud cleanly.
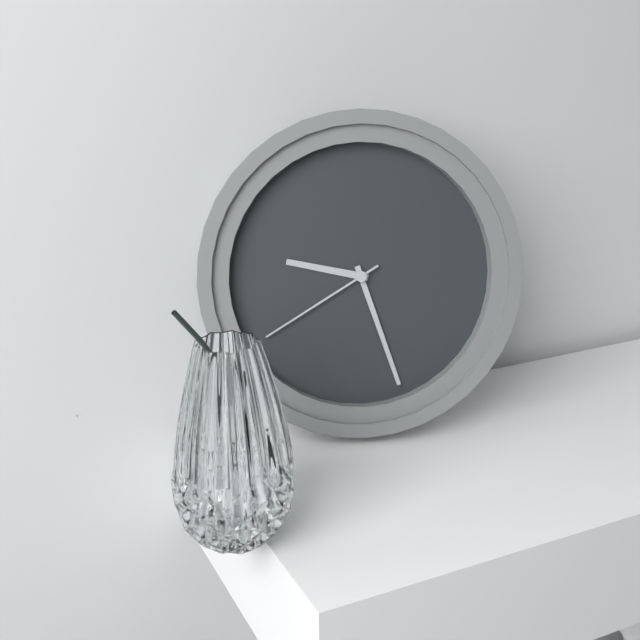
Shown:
9 h 27 min 40 s
